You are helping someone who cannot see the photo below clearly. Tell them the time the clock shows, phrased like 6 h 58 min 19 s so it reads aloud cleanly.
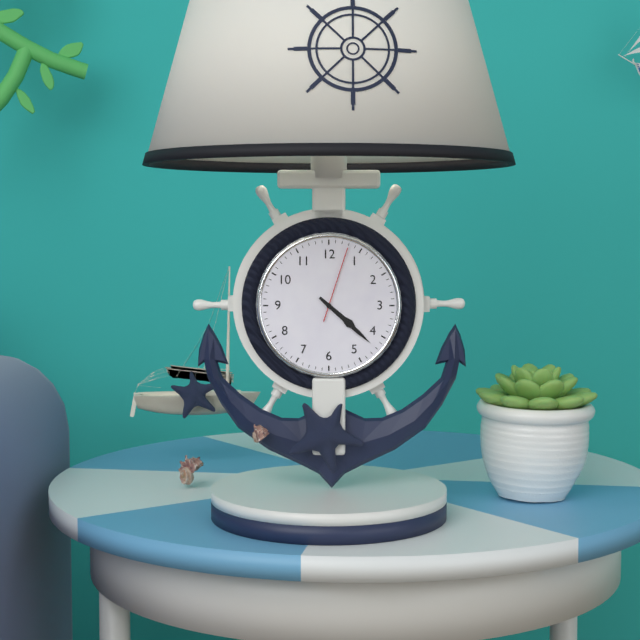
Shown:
4 h 22 min 03 s
